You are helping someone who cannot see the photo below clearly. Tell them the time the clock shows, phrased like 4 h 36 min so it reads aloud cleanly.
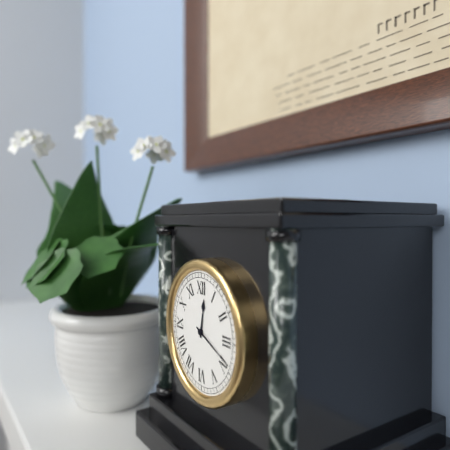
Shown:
12 h 19 min
